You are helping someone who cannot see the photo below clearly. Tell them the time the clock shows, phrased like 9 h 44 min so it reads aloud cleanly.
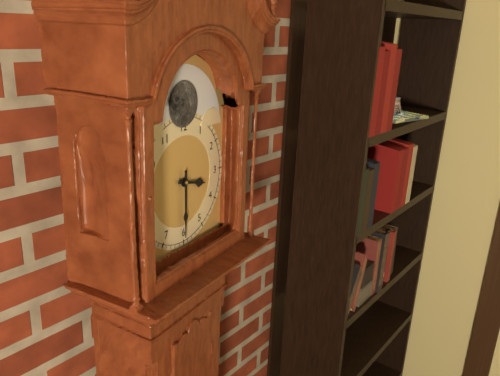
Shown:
3 h 30 min
